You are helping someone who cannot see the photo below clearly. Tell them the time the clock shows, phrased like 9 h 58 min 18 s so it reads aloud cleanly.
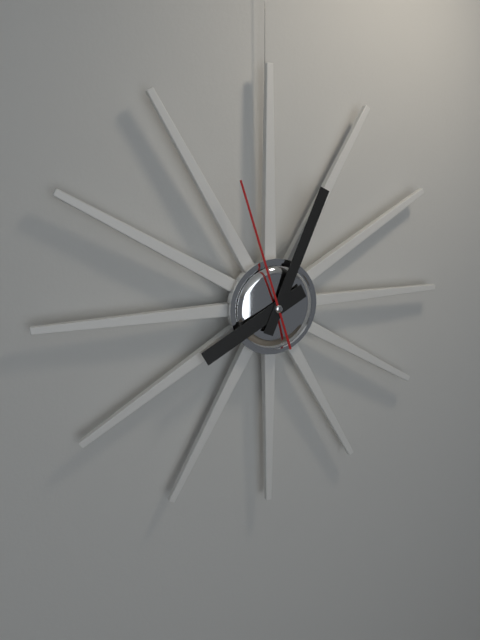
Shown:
8 h 04 min 57 s
